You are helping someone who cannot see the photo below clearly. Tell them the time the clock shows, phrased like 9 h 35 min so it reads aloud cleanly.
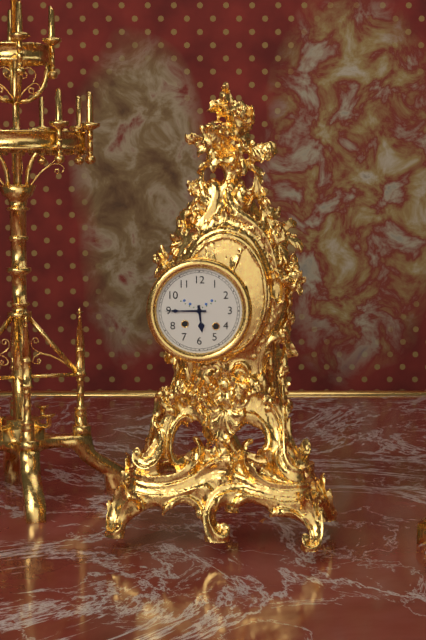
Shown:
5 h 45 min
